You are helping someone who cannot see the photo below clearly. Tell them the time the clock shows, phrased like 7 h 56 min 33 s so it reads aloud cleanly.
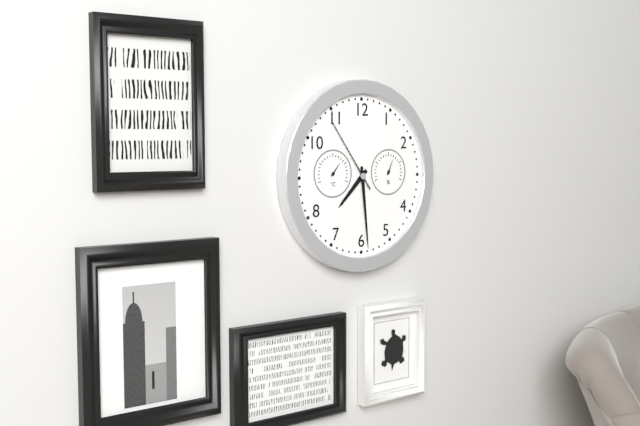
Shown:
7 h 29 min 54 s
